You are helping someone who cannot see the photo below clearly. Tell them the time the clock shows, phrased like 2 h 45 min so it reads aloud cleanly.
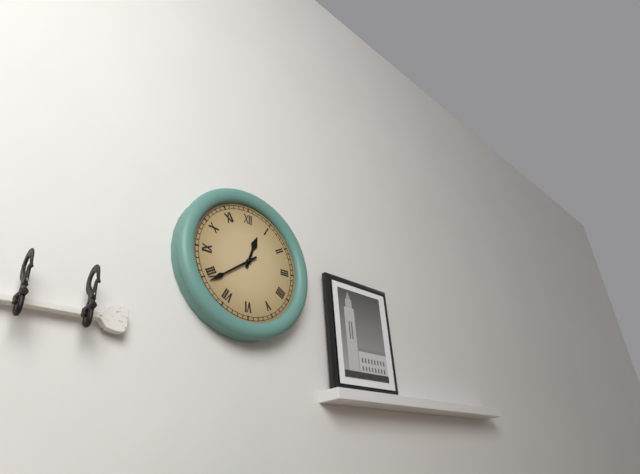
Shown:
12 h 39 min
